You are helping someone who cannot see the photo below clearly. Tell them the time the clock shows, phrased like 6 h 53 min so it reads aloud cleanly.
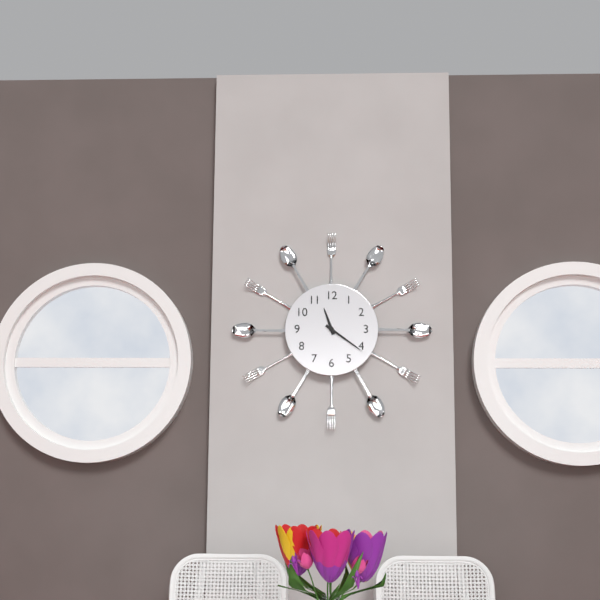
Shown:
11 h 21 min
